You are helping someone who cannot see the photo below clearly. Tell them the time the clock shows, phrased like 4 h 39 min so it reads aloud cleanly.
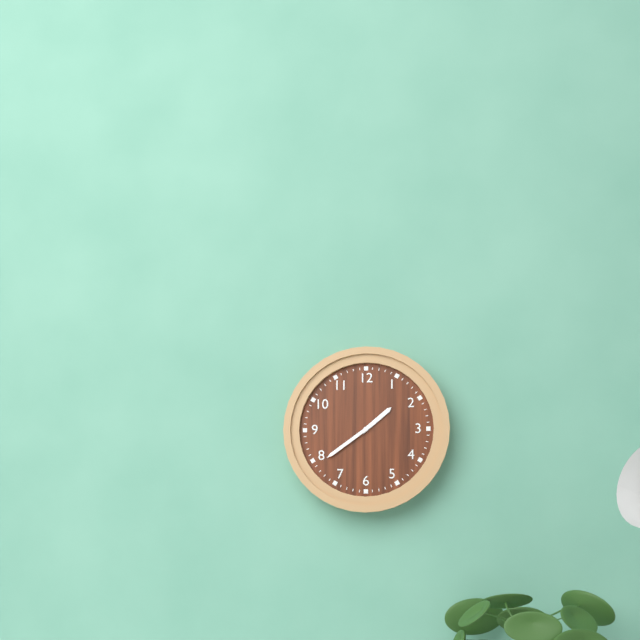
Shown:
1 h 39 min
